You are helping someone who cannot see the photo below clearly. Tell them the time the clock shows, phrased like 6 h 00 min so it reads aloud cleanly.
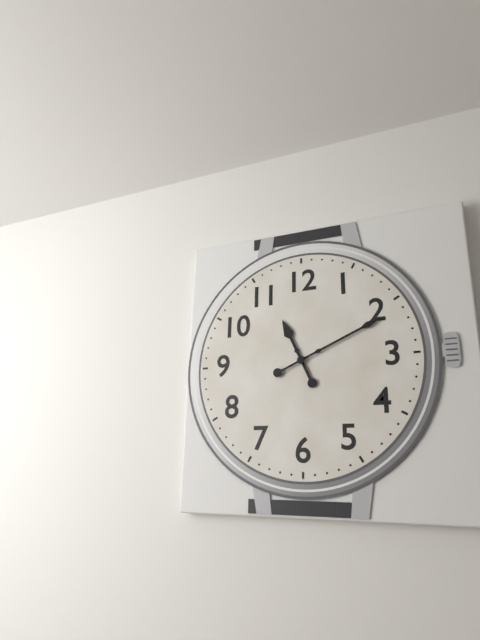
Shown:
11 h 11 min
